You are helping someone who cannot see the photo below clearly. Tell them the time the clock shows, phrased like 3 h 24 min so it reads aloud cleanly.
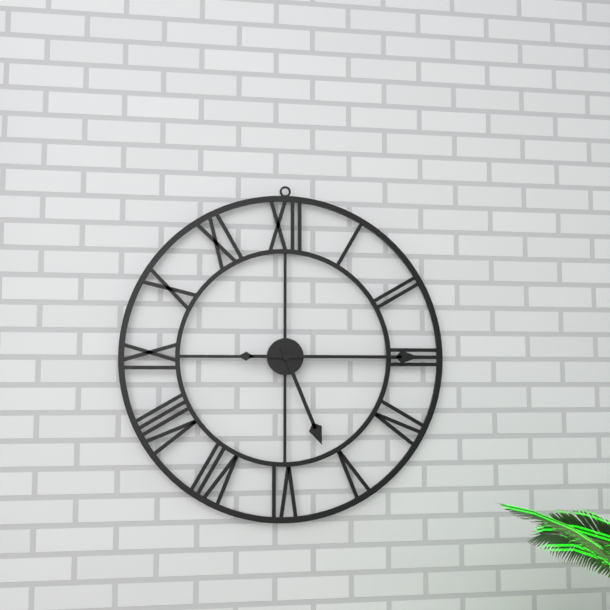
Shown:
5 h 15 min
